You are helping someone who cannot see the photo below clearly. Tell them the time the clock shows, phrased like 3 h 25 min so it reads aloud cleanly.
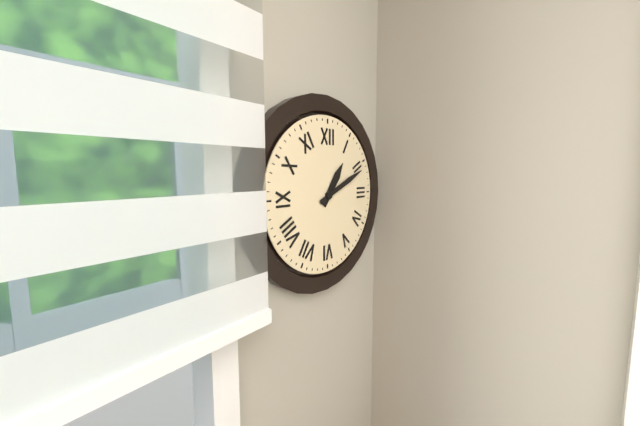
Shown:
1 h 11 min
